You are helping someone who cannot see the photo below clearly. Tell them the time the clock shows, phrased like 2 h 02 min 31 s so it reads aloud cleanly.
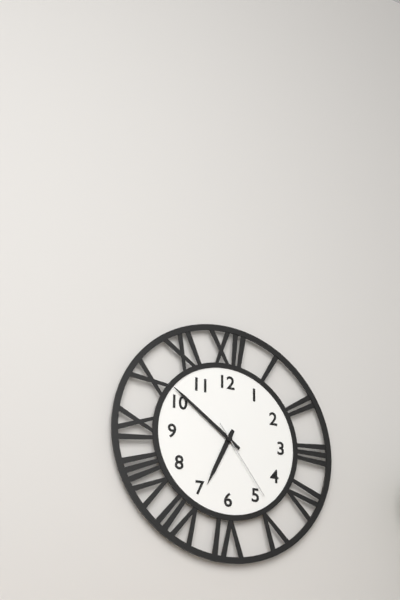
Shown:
6 h 51 min 24 s
